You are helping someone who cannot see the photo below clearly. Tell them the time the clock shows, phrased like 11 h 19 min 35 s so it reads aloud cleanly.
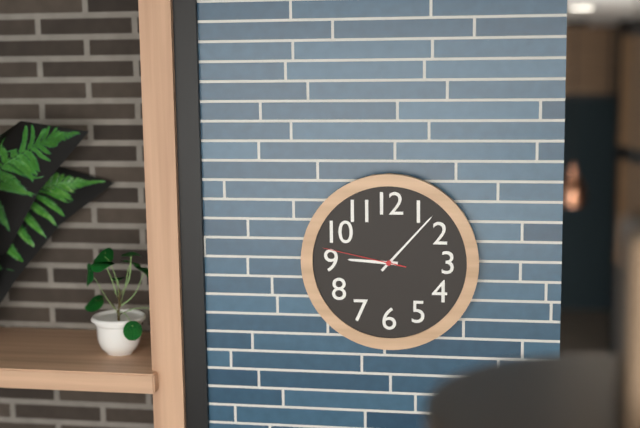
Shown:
9 h 07 min 47 s
